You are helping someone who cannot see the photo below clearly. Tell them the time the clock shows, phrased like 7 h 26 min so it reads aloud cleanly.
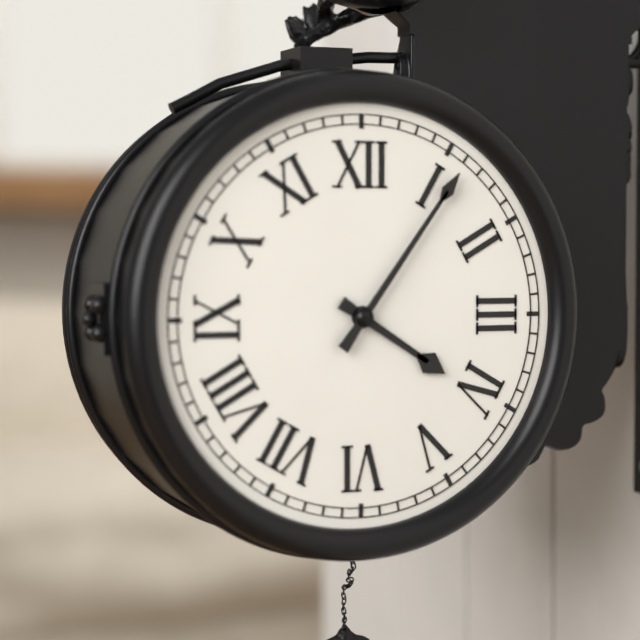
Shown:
4 h 06 min
